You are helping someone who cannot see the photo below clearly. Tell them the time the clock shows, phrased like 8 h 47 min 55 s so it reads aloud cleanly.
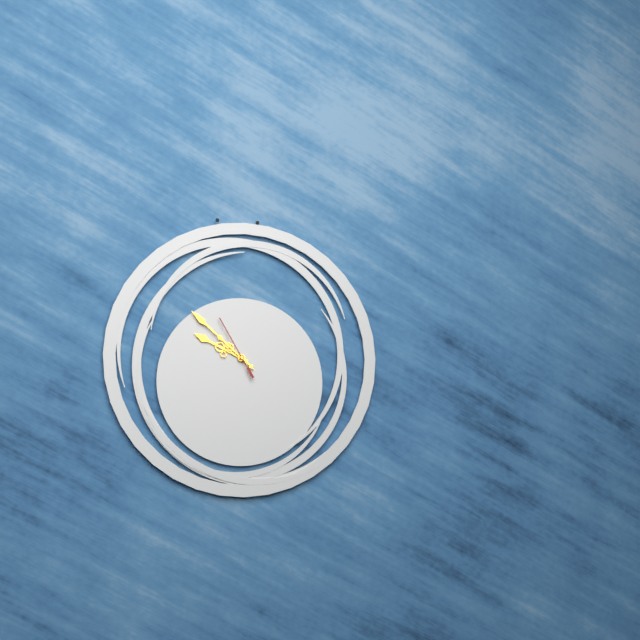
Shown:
9 h 52 min 55 s
